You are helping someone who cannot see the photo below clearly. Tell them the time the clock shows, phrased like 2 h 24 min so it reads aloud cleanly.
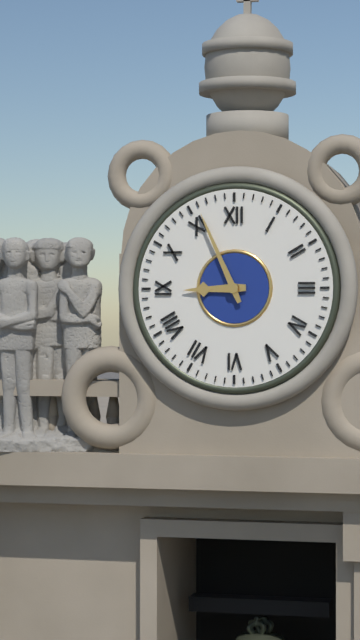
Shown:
8 h 56 min
